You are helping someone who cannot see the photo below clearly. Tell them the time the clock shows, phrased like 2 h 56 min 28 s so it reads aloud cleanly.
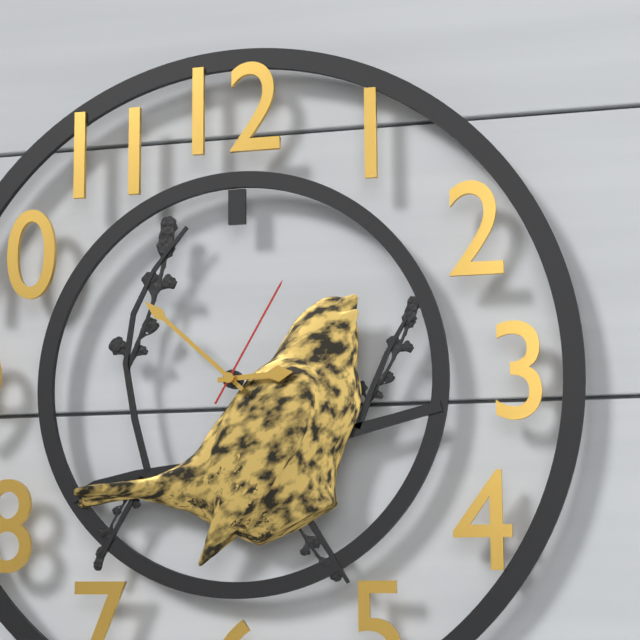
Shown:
2 h 52 min 05 s
